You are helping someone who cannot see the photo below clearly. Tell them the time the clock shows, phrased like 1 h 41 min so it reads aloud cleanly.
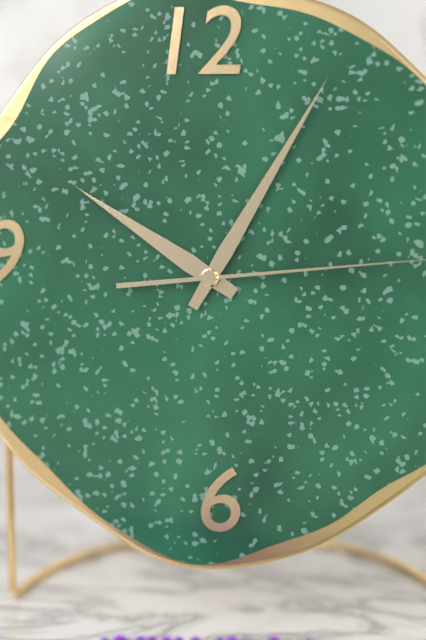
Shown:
10 h 05 min
